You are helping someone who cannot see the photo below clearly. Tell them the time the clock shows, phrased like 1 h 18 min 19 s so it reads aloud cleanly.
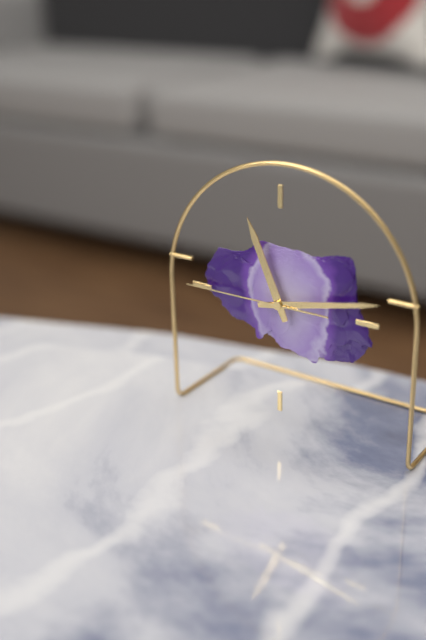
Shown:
11 h 13 min 45 s
